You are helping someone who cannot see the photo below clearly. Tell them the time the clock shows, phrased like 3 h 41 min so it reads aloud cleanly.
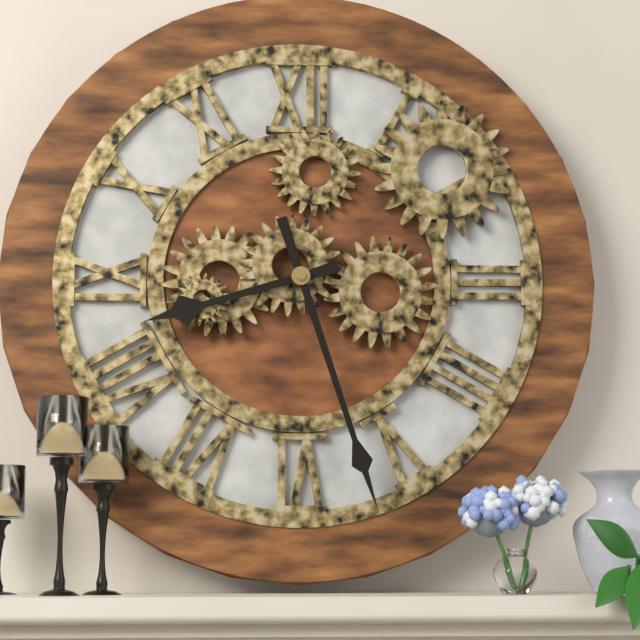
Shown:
8 h 27 min
